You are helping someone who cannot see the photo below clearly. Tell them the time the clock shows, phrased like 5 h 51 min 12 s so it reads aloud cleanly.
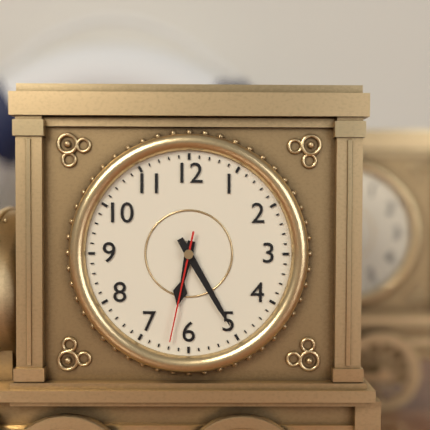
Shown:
6 h 25 min 32 s
